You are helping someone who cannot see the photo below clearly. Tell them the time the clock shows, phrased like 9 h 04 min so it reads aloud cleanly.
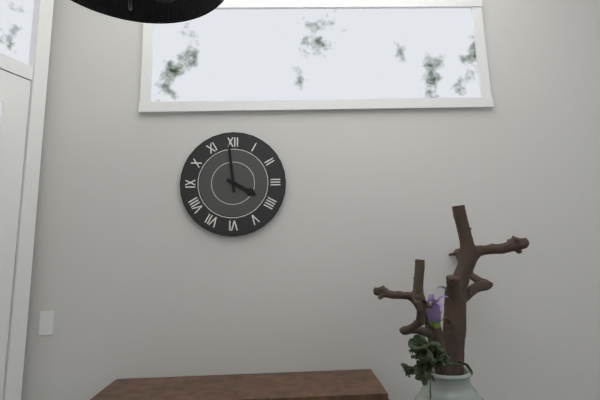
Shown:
3 h 59 min
